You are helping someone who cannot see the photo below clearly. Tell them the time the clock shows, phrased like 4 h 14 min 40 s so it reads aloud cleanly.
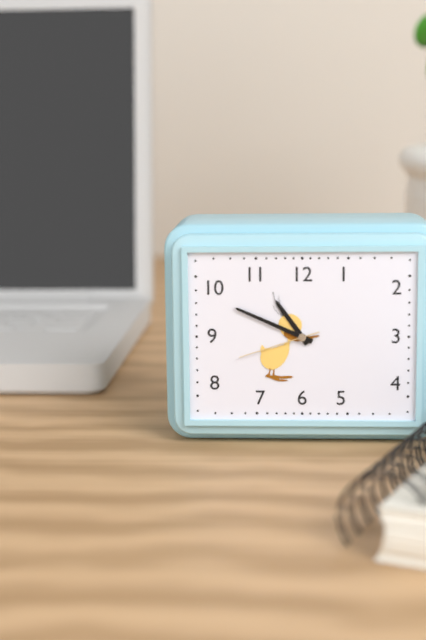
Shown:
10 h 49 min 42 s
